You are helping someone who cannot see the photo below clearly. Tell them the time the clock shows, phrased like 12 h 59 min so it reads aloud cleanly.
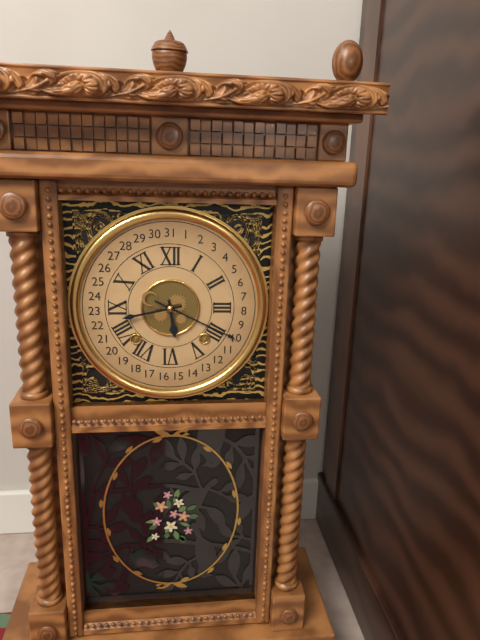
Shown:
5 h 43 min
